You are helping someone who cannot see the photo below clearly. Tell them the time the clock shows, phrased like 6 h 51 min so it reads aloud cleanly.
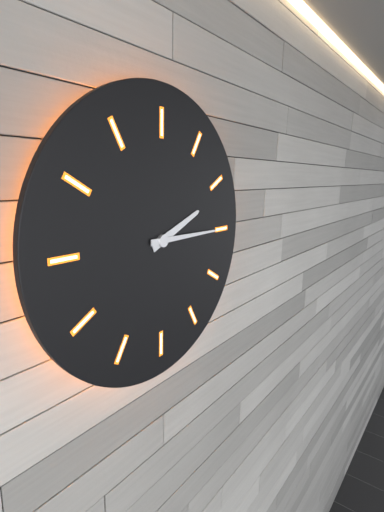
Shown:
2 h 15 min
